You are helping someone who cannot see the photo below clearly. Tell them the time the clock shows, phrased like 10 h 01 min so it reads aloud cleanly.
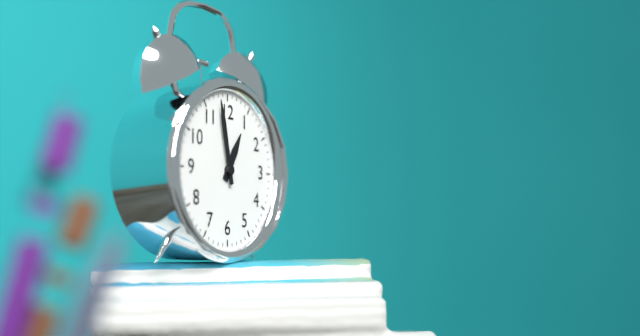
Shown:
12 h 58 min
